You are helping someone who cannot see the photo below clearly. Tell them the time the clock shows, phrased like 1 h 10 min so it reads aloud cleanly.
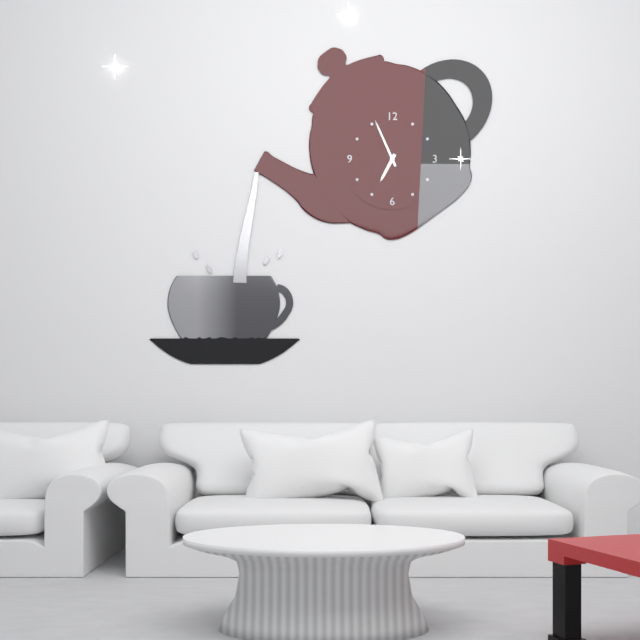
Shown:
6 h 56 min
